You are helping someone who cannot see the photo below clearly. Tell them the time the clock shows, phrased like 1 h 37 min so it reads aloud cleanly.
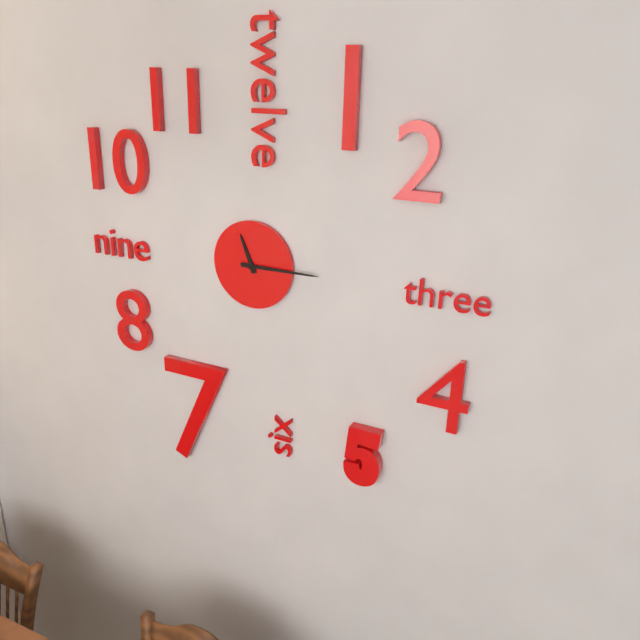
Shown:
11 h 15 min
